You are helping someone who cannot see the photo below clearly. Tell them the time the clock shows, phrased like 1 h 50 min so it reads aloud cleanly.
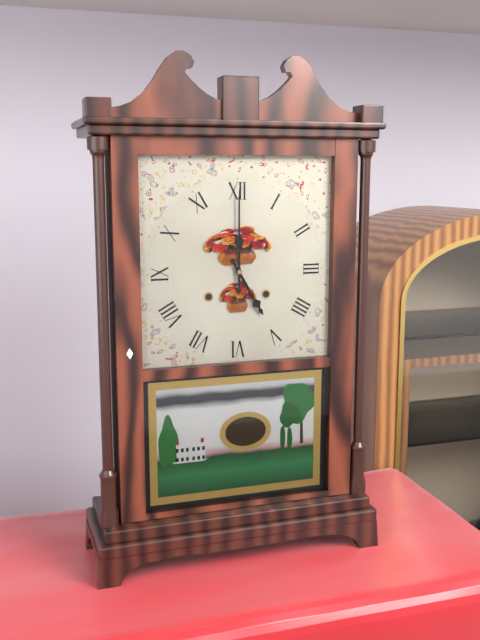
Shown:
5 h 00 min
